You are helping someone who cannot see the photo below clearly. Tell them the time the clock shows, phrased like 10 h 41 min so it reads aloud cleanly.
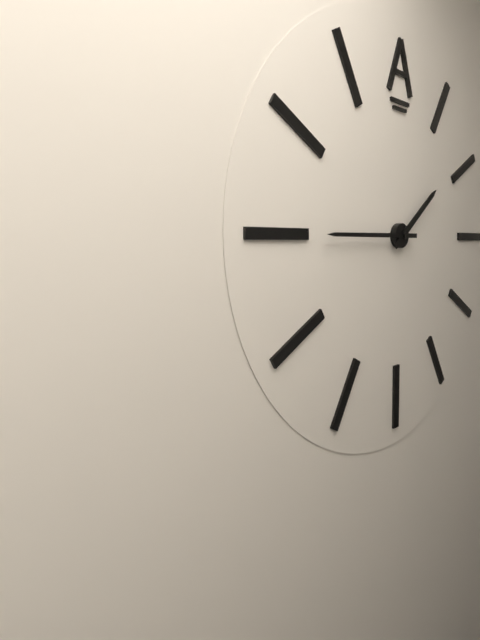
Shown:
1 h 45 min
